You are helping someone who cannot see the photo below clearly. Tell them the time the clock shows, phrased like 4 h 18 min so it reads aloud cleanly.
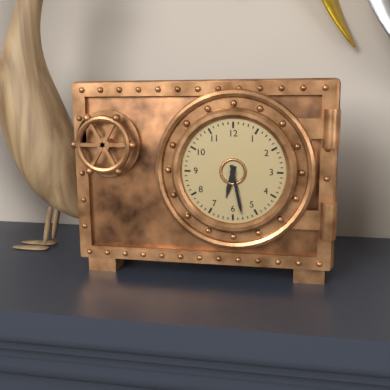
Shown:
6 h 28 min
